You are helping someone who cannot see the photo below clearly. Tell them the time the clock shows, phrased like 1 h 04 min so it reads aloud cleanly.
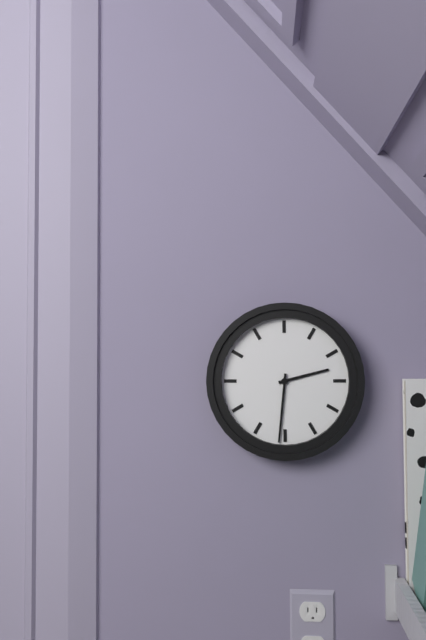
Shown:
2 h 31 min
